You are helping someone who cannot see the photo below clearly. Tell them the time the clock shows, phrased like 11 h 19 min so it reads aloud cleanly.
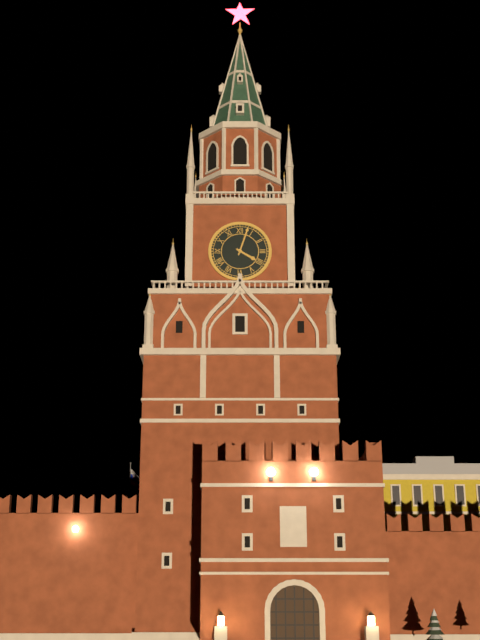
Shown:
4 h 03 min
